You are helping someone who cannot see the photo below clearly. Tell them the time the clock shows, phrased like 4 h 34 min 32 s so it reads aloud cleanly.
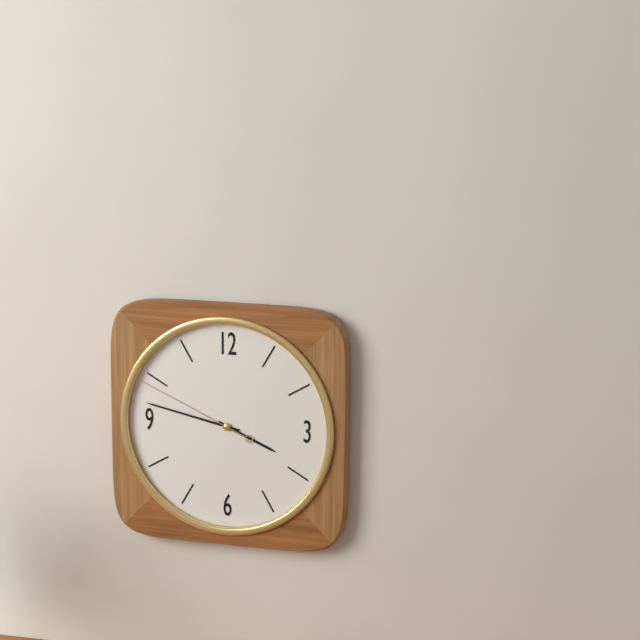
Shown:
3 h 47 min 49 s
